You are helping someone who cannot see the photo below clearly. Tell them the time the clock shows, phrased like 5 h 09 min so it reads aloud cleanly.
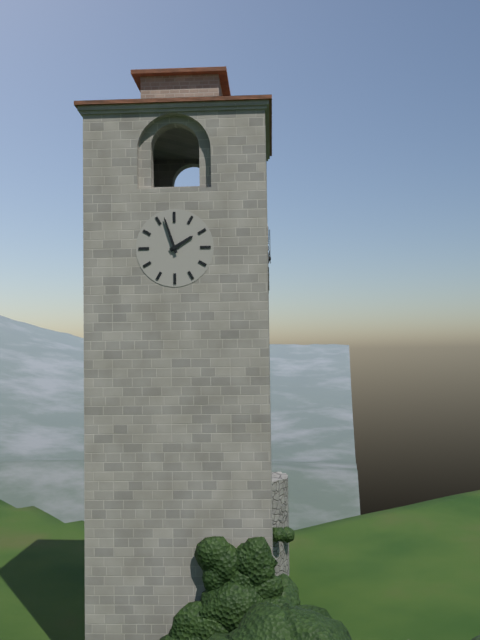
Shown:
1 h 57 min
